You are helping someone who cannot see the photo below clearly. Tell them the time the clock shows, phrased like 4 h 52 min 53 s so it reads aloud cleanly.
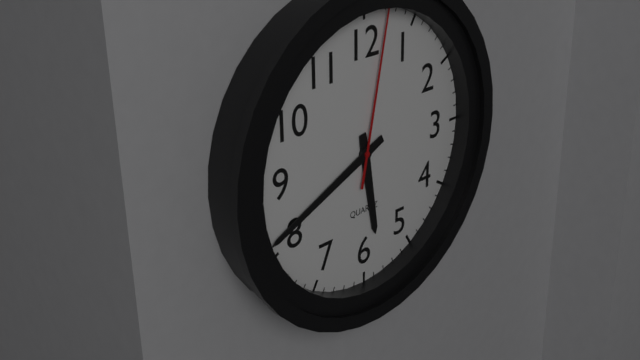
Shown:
5 h 41 min 02 s
